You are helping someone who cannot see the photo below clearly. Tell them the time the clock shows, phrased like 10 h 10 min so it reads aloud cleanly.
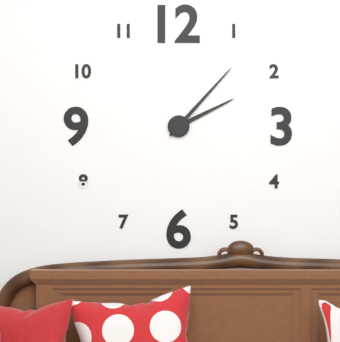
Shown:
2 h 07 min
